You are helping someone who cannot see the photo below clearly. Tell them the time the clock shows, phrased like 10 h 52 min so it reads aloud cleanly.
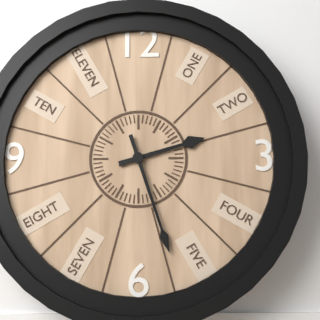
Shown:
2 h 27 min
